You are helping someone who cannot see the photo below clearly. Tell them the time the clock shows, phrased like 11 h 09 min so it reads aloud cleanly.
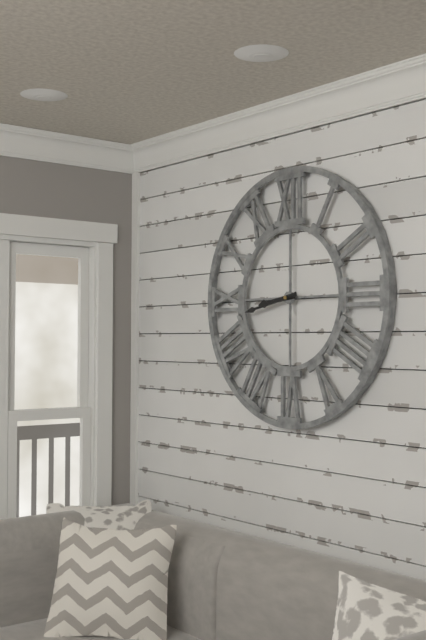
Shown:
8 h 43 min
